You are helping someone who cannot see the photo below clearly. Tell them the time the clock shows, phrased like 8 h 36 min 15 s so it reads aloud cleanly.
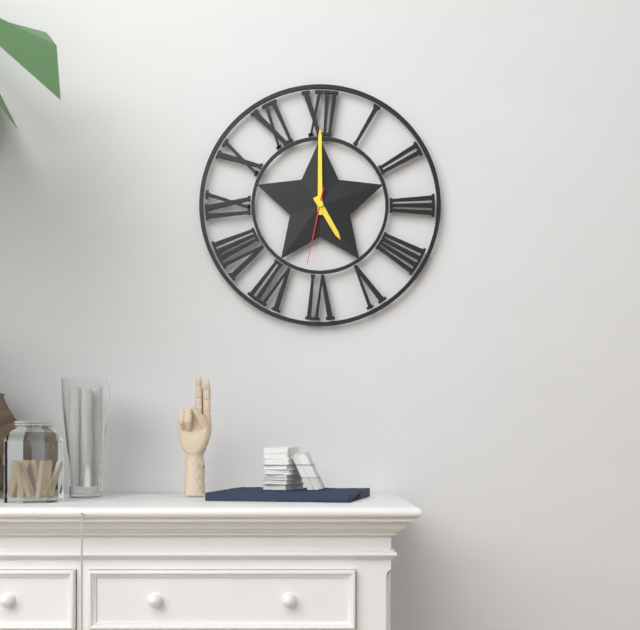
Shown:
5 h 00 min 32 s
